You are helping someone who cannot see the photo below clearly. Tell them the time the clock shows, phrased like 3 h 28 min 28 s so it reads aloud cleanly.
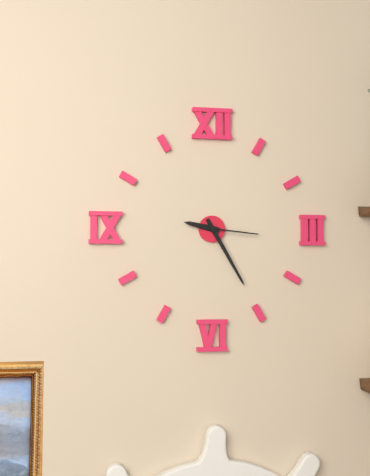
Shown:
9 h 25 min 16 s
